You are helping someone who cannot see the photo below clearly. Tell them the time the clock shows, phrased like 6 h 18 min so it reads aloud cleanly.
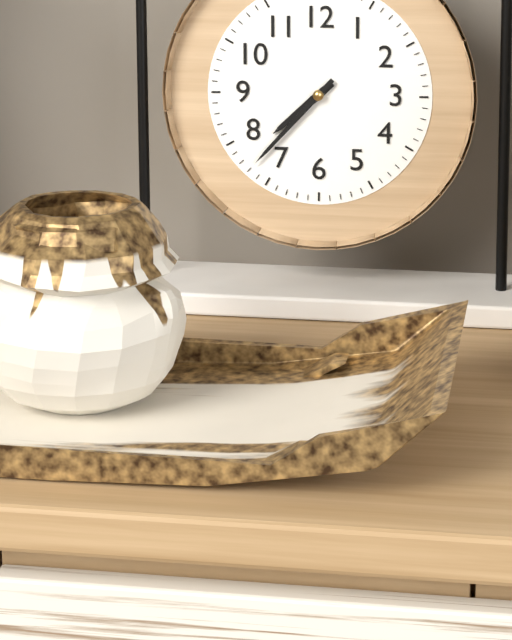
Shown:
7 h 37 min
